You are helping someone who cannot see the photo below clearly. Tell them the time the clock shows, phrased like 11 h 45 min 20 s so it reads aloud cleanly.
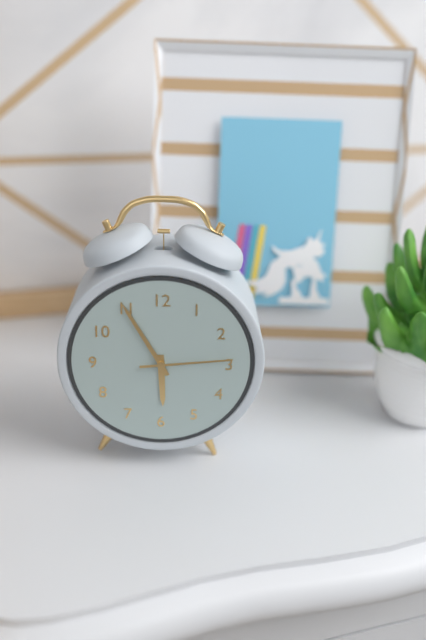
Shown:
5 h 55 min 14 s
